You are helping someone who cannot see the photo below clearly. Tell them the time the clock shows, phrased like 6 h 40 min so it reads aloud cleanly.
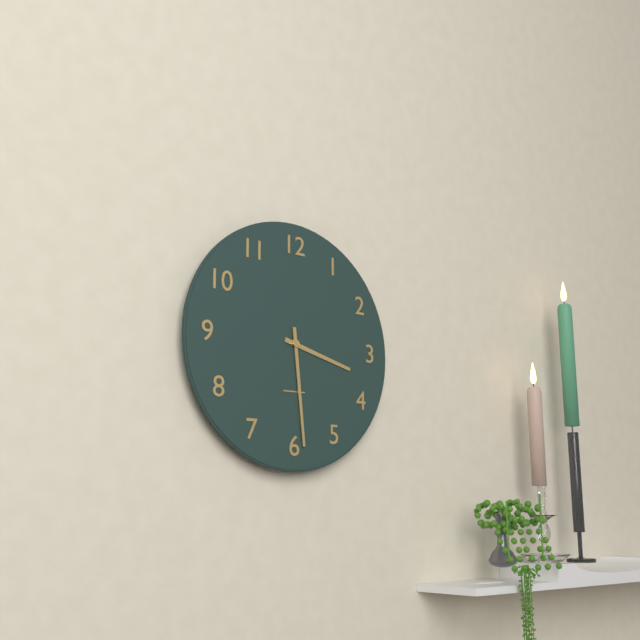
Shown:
3 h 29 min
